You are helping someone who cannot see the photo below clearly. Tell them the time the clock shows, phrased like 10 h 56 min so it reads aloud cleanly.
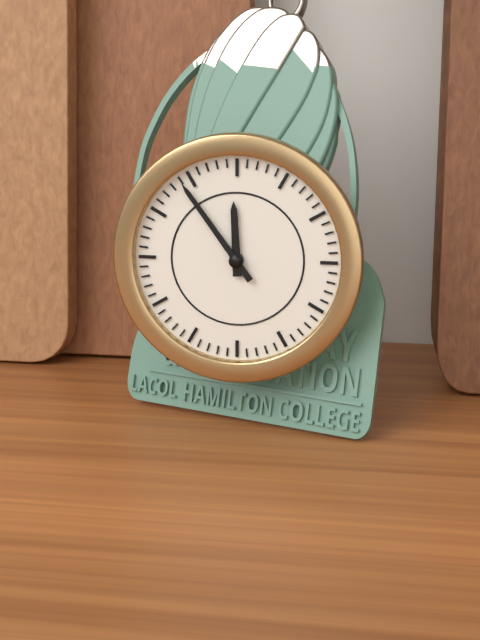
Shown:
11 h 54 min
